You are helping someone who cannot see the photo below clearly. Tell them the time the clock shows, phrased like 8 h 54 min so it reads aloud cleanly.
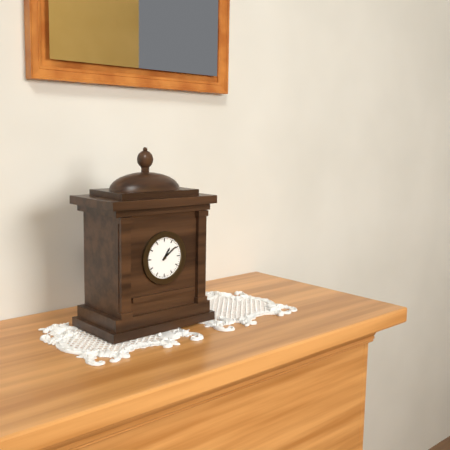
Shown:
1 h 09 min
